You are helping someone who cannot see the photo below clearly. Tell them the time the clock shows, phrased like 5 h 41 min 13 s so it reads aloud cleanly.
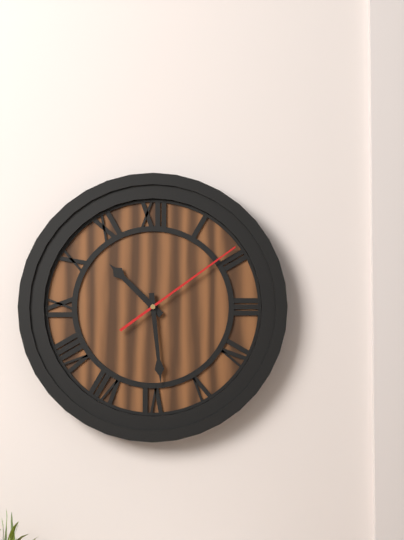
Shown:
10 h 29 min 09 s
